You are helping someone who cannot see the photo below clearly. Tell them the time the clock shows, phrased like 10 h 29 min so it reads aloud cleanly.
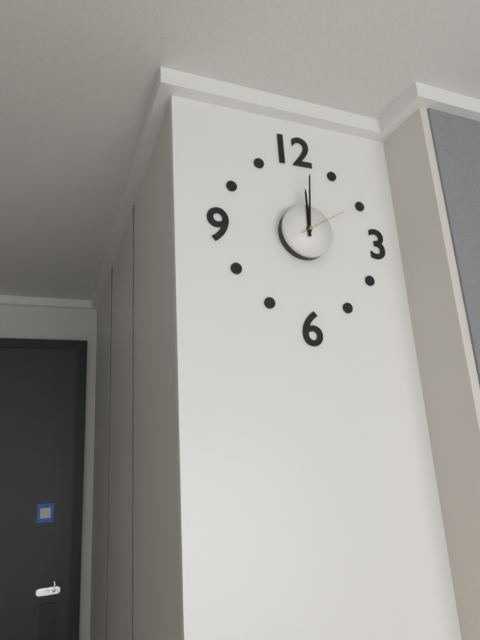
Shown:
12 h 01 min
